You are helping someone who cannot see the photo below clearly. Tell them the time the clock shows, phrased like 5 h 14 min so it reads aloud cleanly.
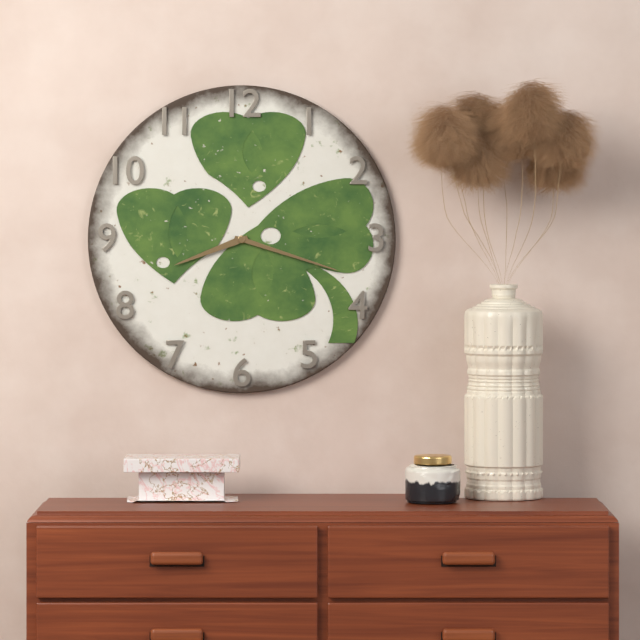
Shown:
8 h 18 min
